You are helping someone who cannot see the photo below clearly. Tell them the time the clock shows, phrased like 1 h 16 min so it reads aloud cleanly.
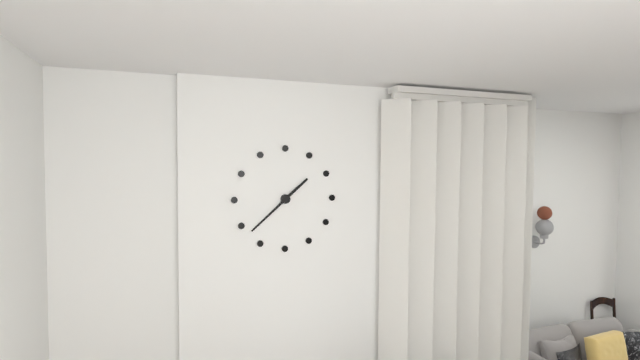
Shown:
1 h 38 min
